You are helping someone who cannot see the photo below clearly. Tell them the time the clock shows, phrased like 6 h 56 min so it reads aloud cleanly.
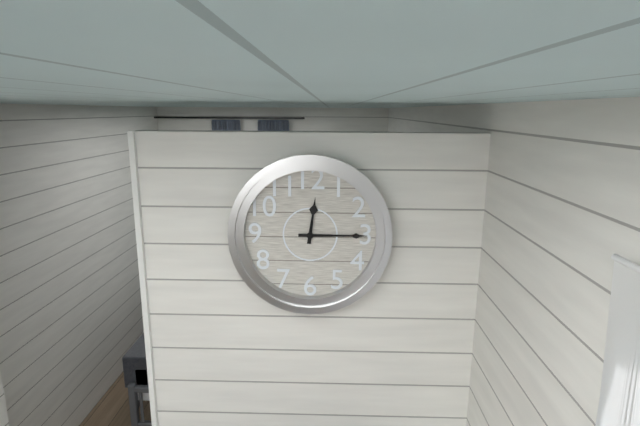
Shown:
12 h 15 min
